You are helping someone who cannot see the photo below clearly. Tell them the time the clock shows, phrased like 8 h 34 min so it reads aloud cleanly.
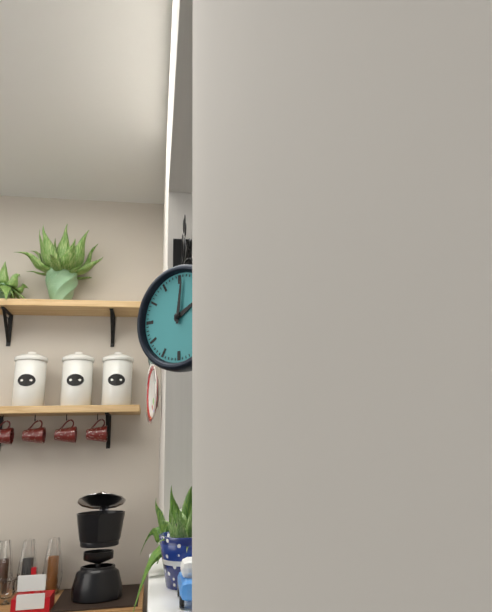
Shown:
2 h 01 min
